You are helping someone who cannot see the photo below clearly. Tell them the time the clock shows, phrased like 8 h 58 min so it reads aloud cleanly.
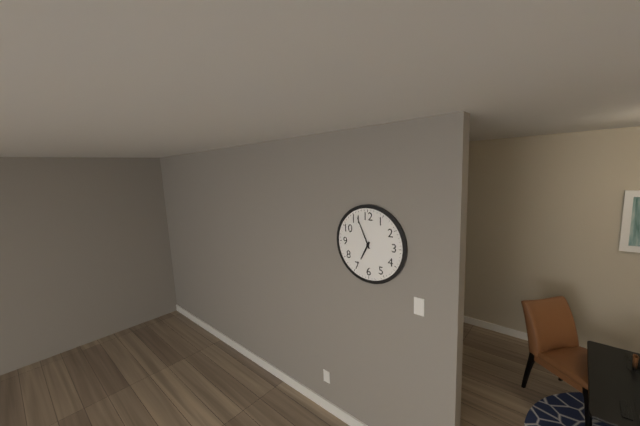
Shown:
6 h 56 min
